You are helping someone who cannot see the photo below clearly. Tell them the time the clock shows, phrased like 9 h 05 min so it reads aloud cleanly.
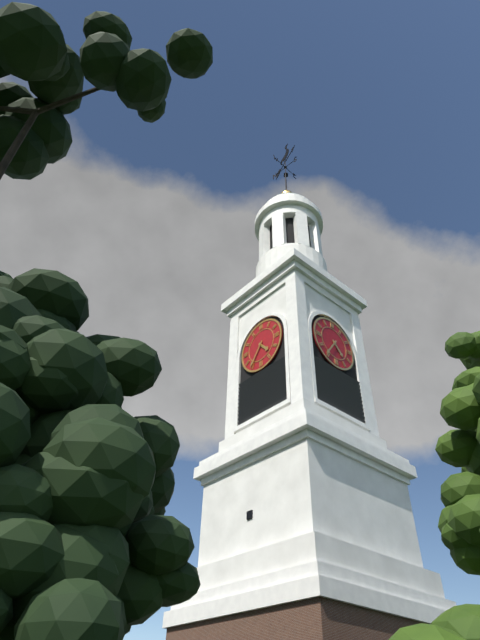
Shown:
4 h 36 min
